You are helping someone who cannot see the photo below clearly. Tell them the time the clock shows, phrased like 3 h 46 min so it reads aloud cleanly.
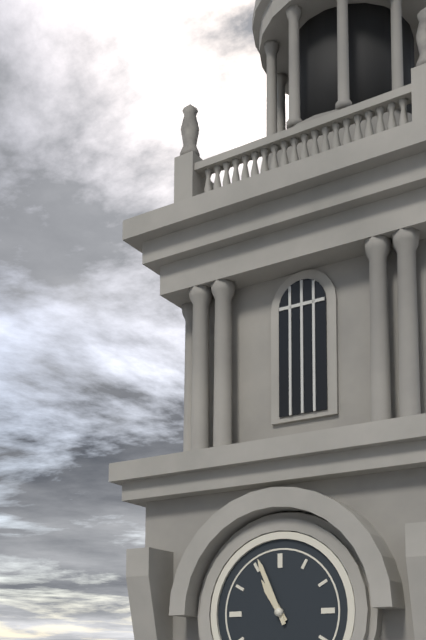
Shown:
10 h 56 min
